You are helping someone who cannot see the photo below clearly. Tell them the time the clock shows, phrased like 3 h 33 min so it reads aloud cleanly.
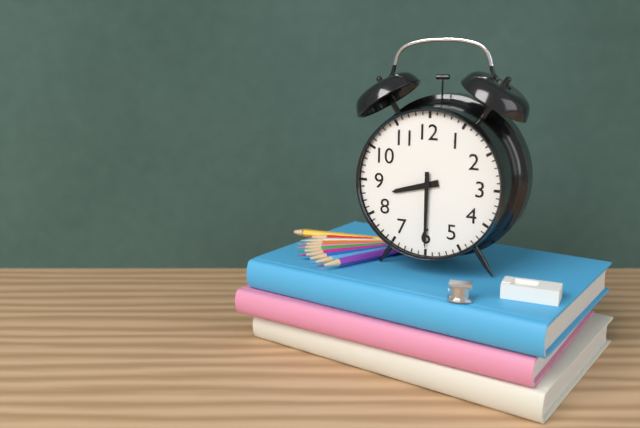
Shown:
8 h 30 min
